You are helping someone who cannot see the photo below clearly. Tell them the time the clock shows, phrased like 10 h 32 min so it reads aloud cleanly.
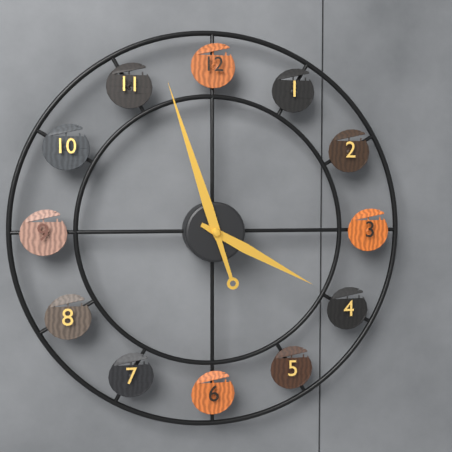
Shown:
3 h 57 min
